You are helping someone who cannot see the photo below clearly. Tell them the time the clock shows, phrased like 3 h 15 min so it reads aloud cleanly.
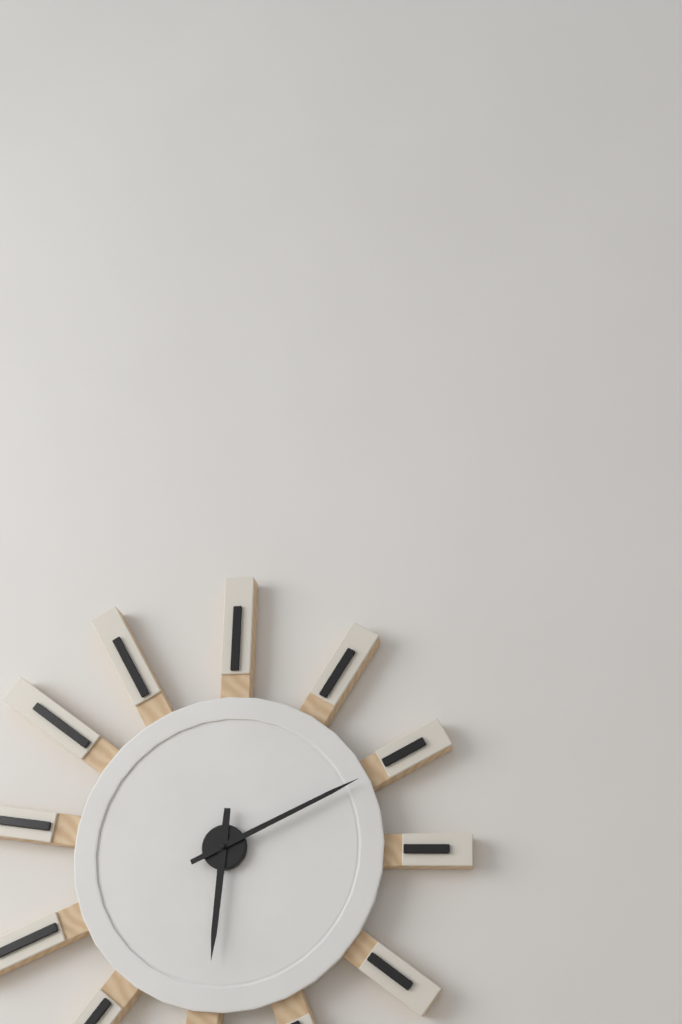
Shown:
6 h 11 min
